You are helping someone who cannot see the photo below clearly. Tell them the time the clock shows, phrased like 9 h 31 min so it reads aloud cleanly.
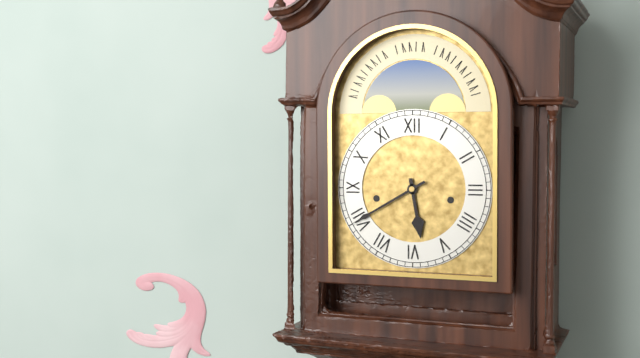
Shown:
5 h 40 min
